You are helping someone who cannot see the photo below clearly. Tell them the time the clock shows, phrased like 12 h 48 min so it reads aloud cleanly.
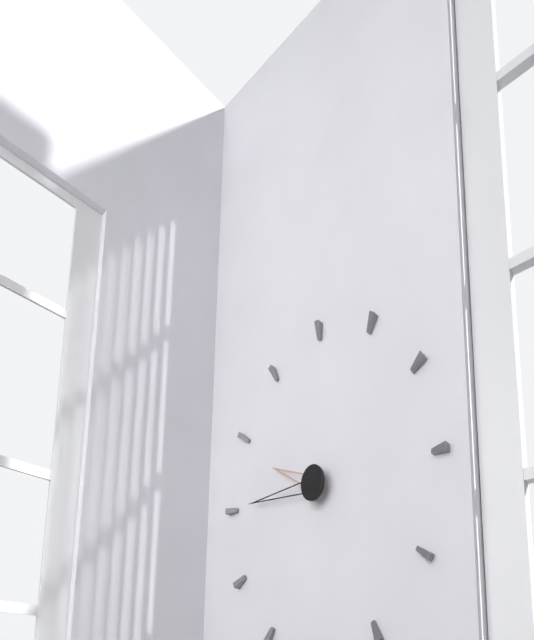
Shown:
9 h 45 min
